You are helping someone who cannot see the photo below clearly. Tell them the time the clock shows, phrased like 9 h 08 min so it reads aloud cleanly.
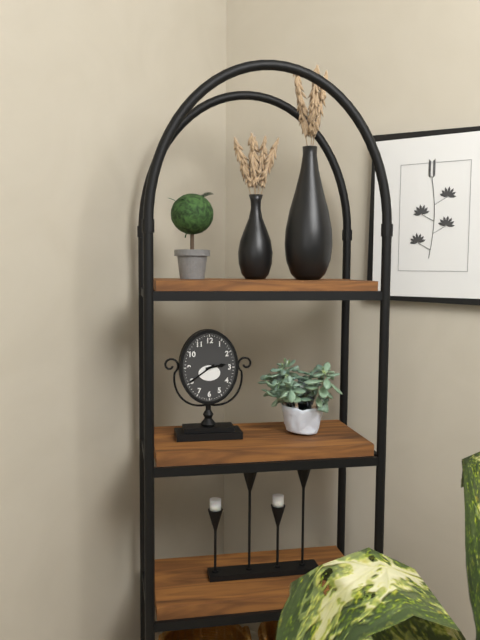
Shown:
2 h 39 min
